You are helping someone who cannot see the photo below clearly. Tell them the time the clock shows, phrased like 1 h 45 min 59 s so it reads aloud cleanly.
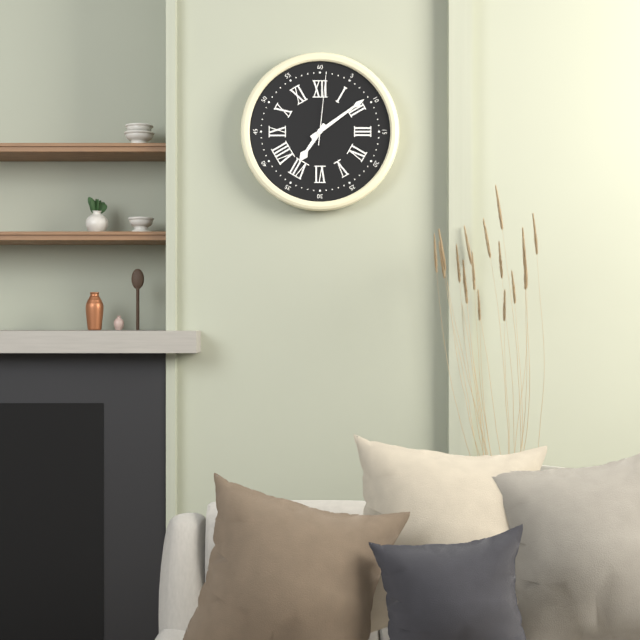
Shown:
7 h 09 min 01 s
